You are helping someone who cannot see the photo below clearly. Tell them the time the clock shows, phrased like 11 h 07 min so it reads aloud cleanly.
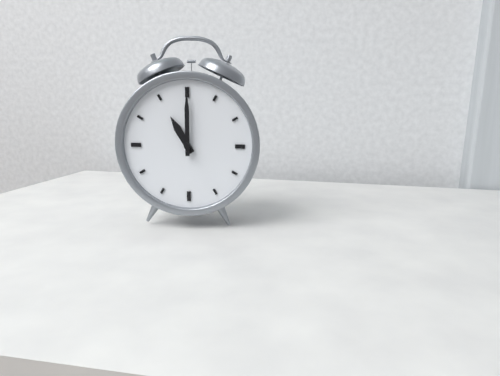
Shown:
11 h 00 min
